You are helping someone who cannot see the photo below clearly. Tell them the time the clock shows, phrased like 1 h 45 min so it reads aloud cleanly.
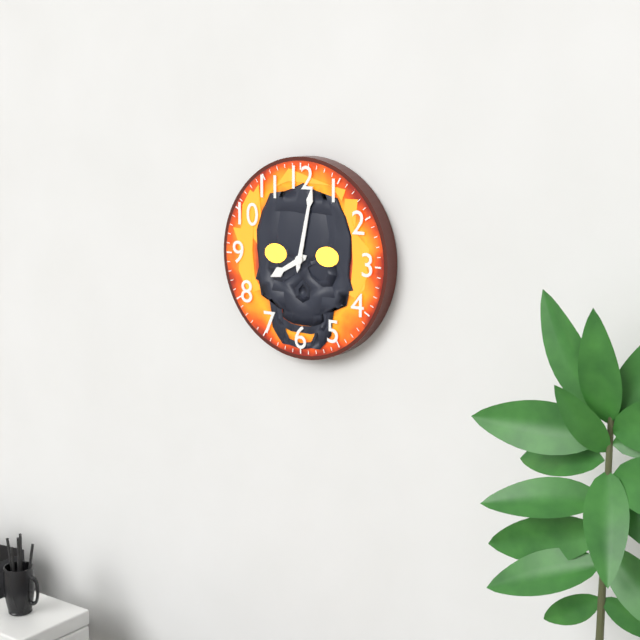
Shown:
8 h 02 min
